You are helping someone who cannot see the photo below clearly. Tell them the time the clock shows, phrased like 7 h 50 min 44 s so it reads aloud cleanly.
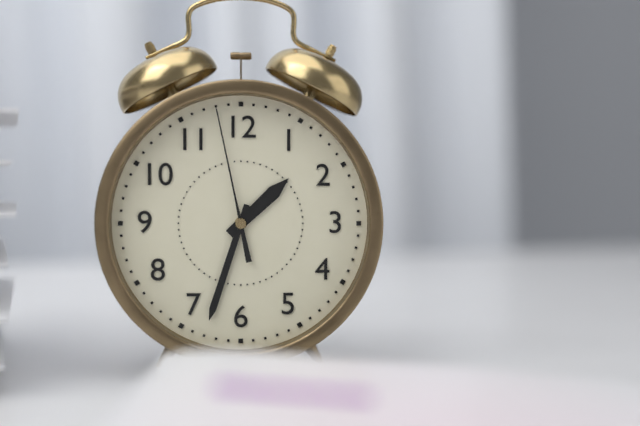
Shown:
1 h 33 min 58 s
